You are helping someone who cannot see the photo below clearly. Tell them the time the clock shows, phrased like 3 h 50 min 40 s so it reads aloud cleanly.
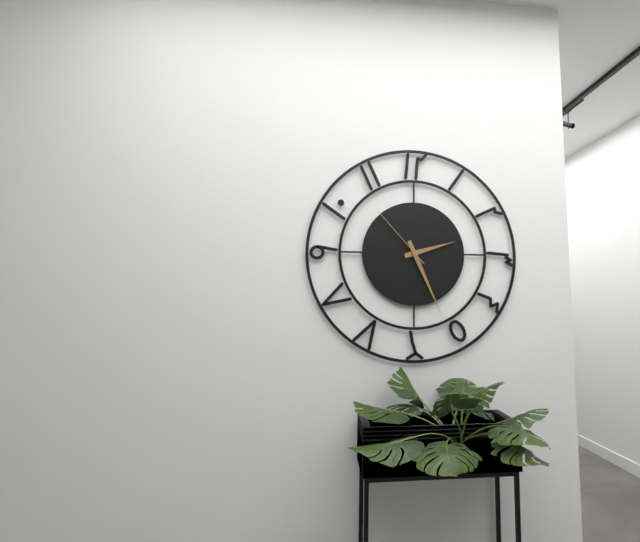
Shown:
2 h 26 min 53 s
